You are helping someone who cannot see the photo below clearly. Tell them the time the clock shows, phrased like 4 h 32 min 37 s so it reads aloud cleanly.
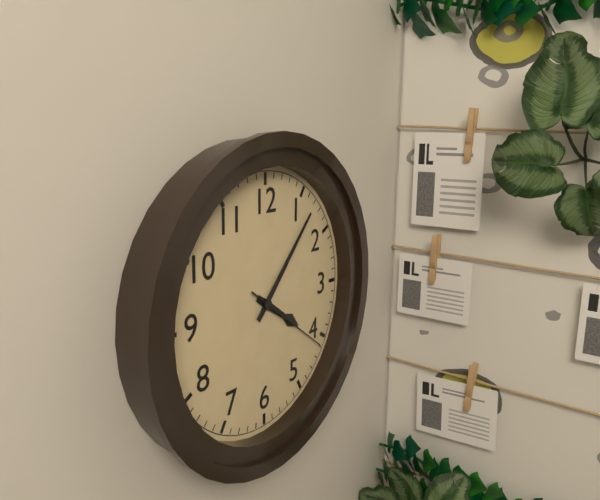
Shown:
4 h 07 min 21 s
